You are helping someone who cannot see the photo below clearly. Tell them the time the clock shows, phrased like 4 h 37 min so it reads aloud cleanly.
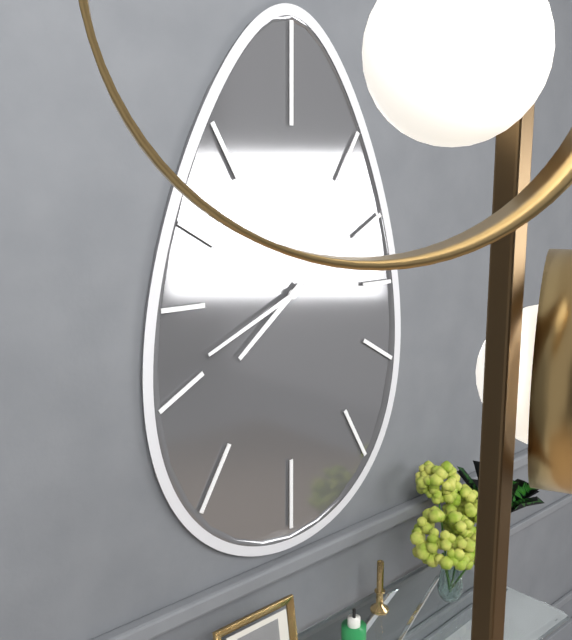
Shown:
7 h 41 min
